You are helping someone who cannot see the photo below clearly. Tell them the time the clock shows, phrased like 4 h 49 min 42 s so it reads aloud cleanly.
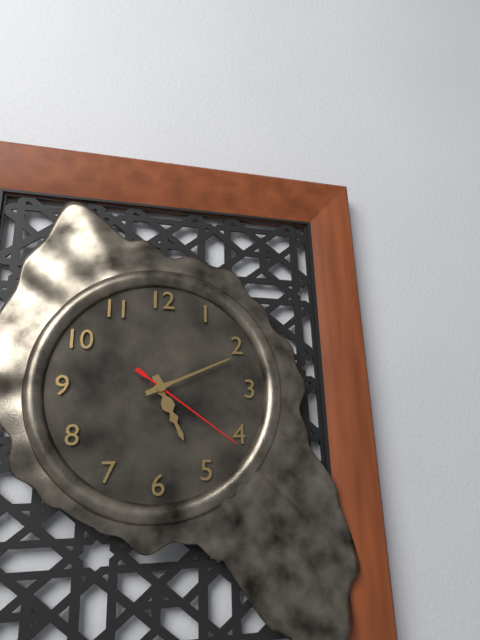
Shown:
5 h 11 min 21 s
